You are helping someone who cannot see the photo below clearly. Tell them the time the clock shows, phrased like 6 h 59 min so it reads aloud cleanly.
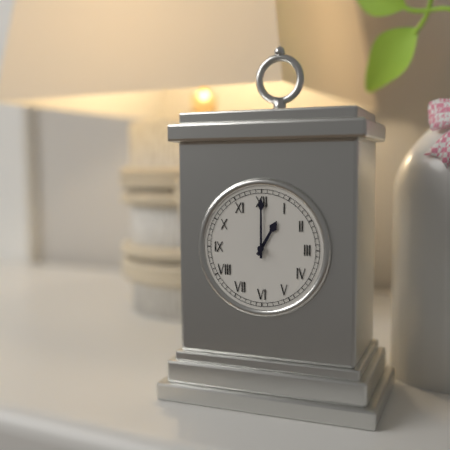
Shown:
1 h 00 min
